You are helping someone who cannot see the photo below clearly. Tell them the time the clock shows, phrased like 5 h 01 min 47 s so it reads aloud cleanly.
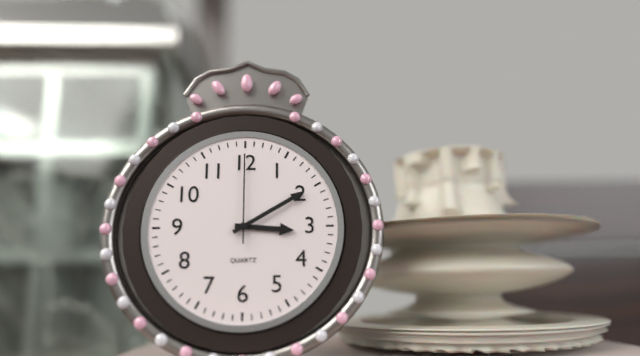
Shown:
3 h 10 min 00 s
